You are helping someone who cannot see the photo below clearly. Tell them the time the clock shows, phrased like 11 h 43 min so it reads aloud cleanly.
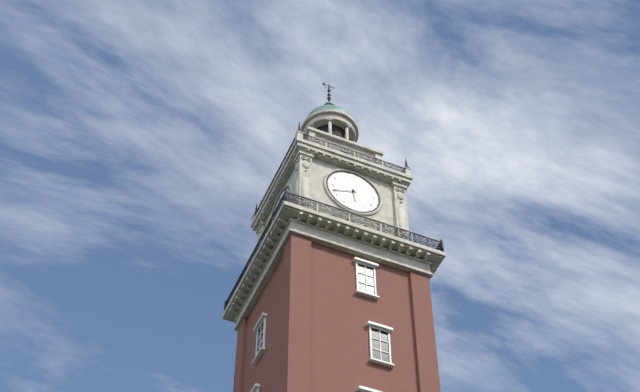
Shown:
5 h 42 min
